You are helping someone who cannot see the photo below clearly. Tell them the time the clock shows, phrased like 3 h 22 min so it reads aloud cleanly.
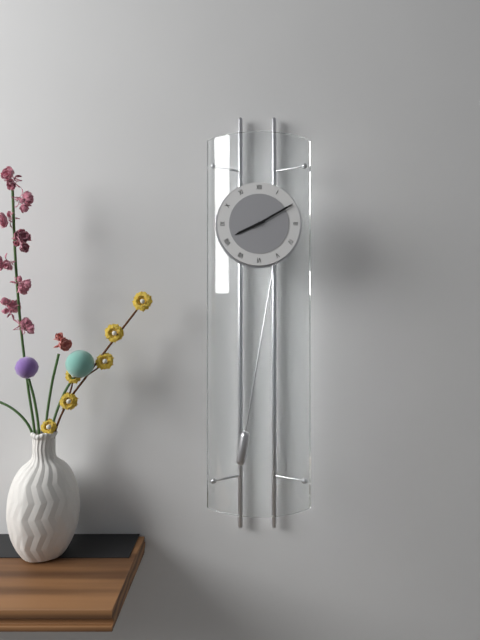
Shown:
8 h 10 min
